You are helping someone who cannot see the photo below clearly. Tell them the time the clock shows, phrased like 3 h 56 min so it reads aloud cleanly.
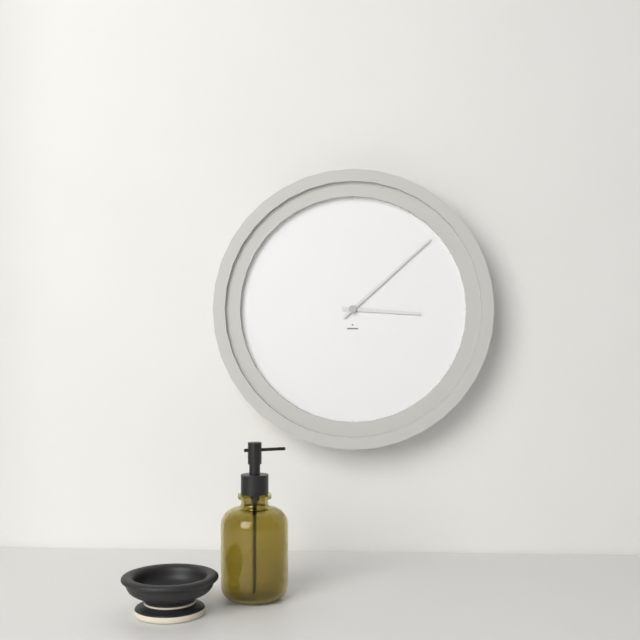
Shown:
3 h 08 min
